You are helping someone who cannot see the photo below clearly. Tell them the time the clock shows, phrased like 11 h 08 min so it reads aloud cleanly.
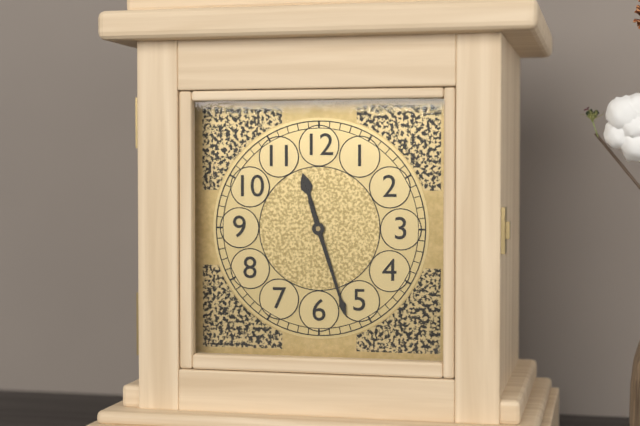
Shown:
11 h 27 min
